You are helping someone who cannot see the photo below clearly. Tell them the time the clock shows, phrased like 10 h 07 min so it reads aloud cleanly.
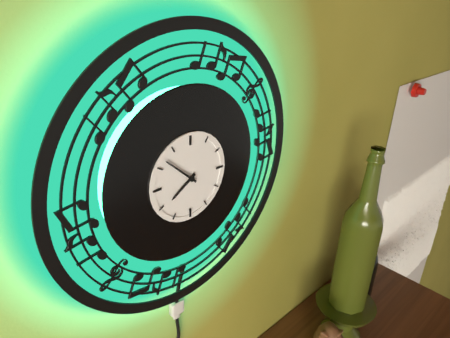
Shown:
7 h 52 min
